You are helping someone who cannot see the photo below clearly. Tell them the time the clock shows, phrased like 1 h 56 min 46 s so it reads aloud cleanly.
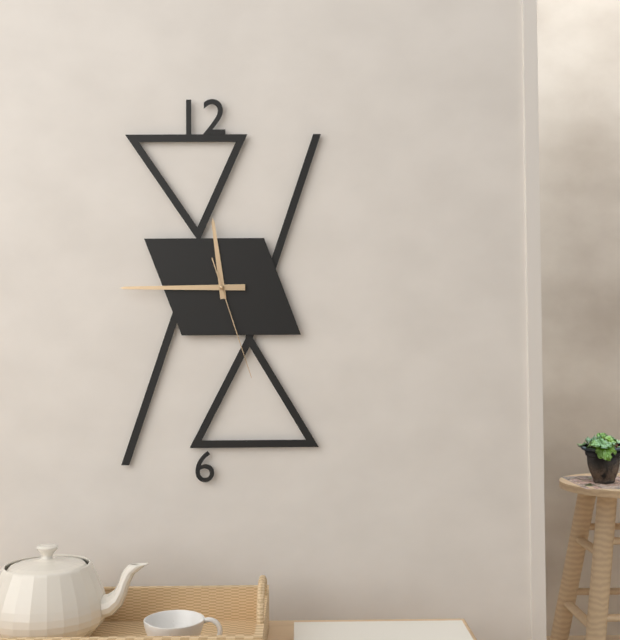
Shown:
11 h 45 min 27 s
